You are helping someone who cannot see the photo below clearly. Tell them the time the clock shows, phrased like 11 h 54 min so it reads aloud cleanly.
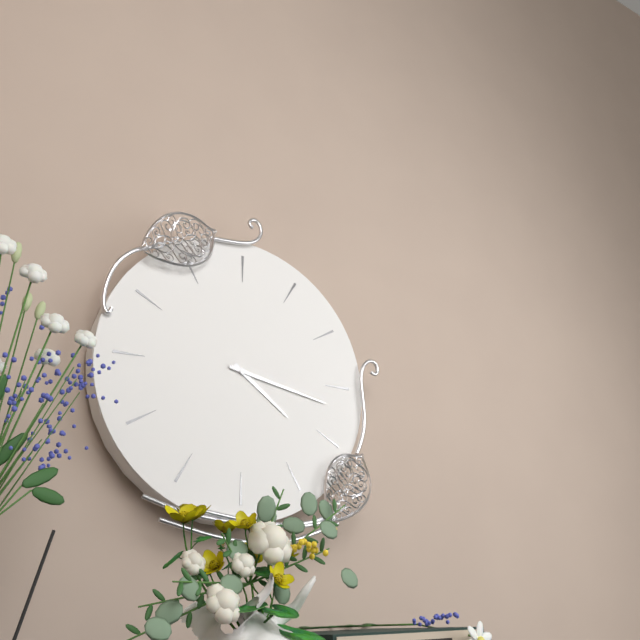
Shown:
4 h 17 min
